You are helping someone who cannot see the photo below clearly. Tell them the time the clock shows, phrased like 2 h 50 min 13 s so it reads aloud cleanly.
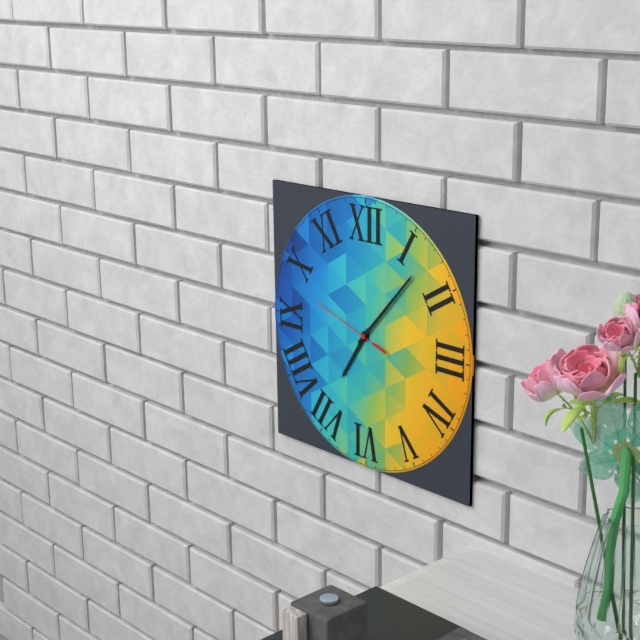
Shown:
7 h 07 min 48 s
